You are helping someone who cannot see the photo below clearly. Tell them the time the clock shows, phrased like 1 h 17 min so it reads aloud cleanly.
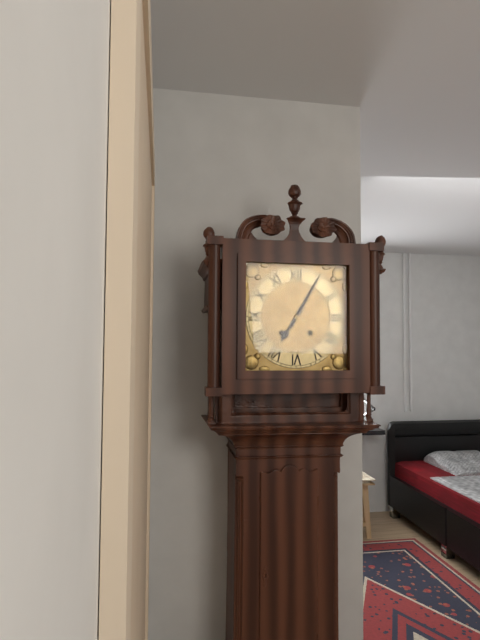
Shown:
7 h 05 min
